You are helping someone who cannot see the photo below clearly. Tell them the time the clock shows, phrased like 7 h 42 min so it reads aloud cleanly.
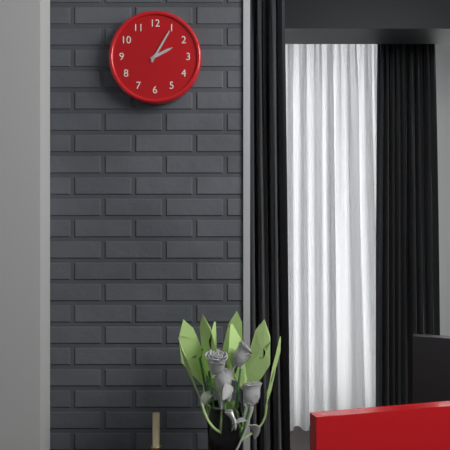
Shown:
2 h 05 min
